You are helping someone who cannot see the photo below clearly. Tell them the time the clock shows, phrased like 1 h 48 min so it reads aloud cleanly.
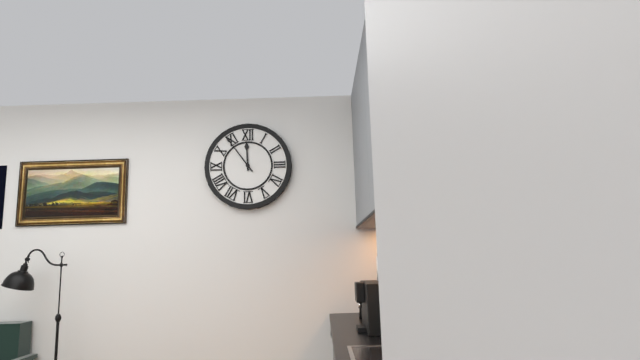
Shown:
11 h 54 min
